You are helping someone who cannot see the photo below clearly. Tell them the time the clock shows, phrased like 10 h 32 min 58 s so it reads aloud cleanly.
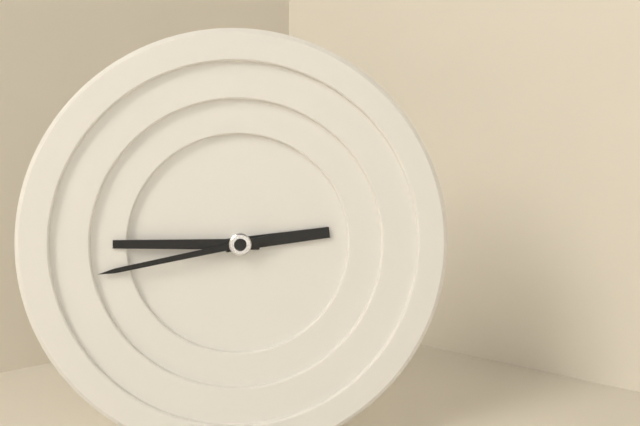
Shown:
2 h 45 min 43 s
